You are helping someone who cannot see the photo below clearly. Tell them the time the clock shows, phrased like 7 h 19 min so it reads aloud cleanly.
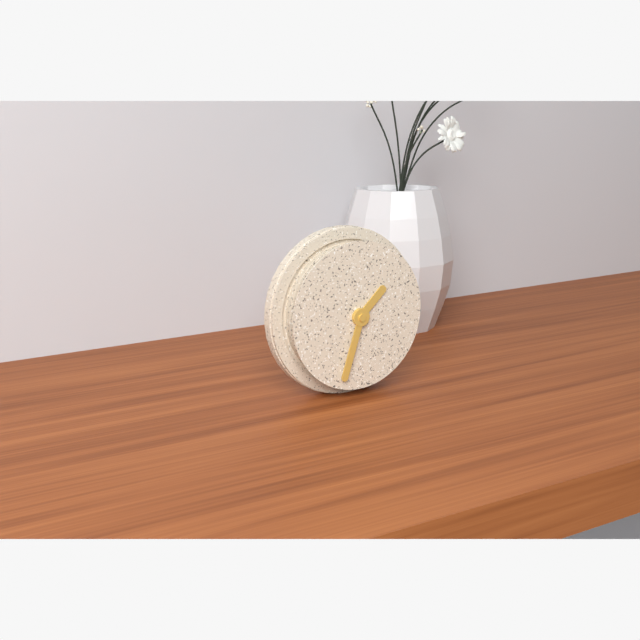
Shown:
1 h 33 min
